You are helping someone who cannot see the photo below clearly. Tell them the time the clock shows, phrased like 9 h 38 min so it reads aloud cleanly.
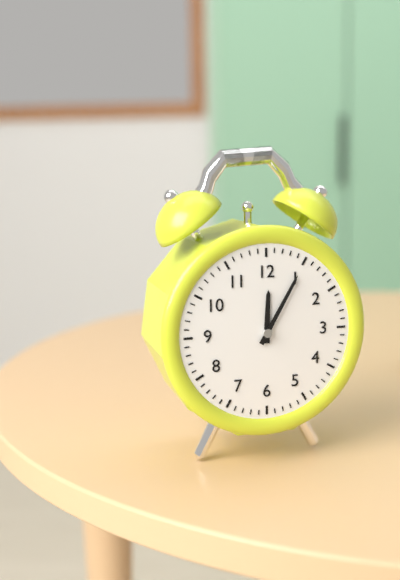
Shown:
12 h 05 min
